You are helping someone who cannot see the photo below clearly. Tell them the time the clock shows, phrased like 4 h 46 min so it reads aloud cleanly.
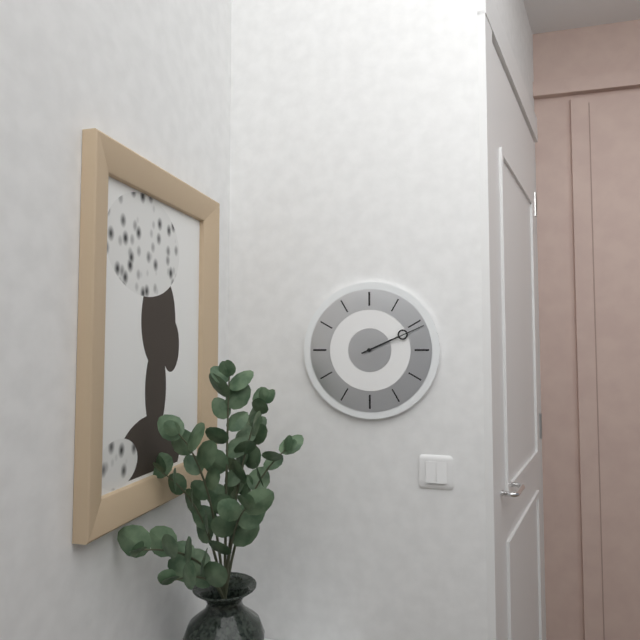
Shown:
2 h 11 min
